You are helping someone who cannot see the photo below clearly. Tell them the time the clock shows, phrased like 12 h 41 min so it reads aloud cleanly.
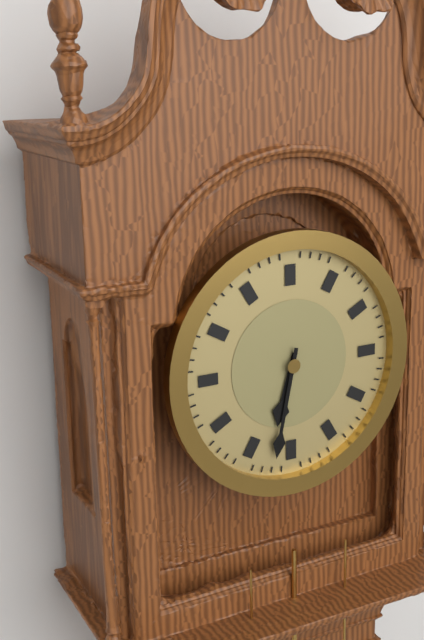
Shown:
6 h 32 min
